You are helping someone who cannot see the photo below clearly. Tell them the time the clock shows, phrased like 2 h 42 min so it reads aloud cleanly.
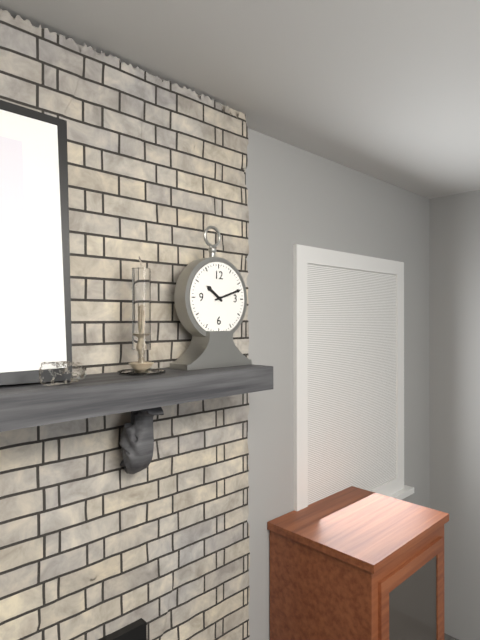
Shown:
10 h 12 min
